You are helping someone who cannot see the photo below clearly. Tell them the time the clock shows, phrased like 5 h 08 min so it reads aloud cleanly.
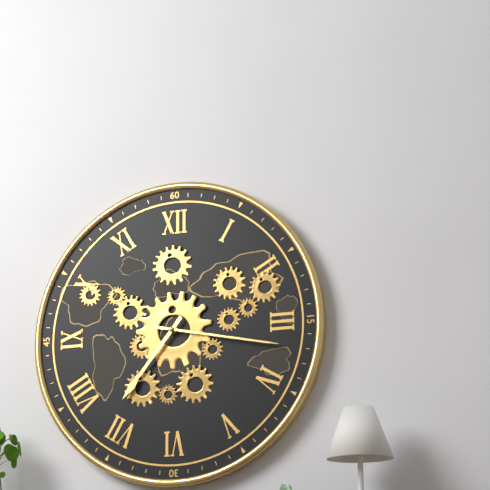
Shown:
7 h 17 min
